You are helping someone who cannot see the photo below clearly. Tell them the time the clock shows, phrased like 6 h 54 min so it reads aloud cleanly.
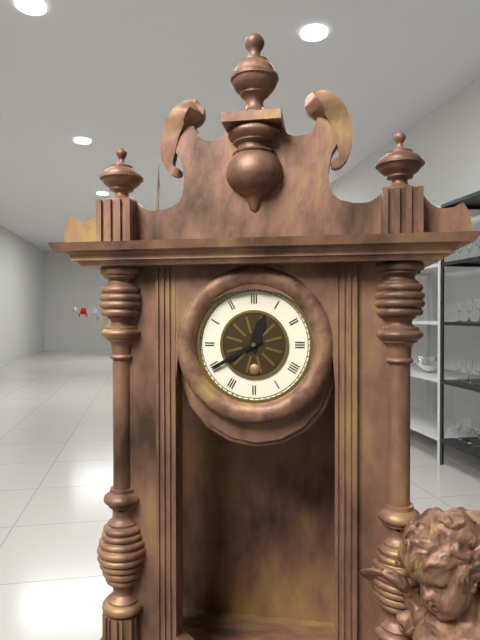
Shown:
12 h 40 min
